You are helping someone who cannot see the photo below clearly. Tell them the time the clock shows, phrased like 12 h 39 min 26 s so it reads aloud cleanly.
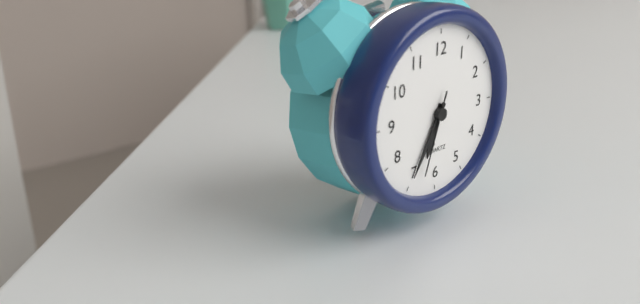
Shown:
6 h 35 min 33 s
